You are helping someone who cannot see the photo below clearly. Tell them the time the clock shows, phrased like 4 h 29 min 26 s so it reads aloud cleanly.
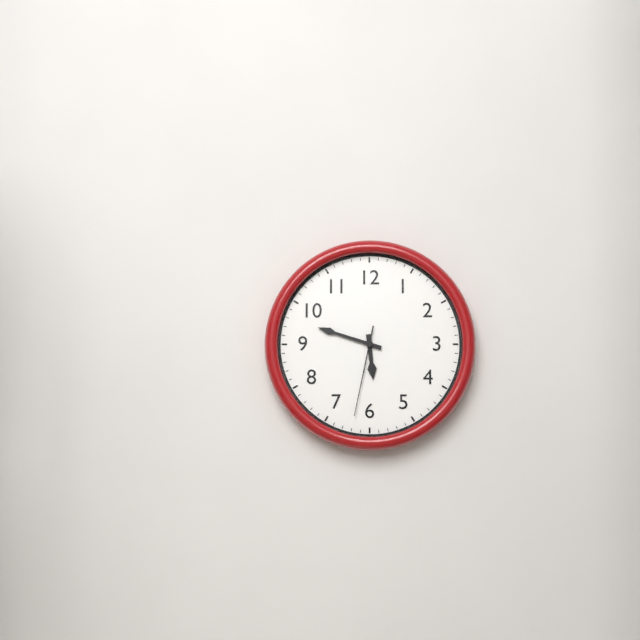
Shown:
5 h 48 min 32 s
